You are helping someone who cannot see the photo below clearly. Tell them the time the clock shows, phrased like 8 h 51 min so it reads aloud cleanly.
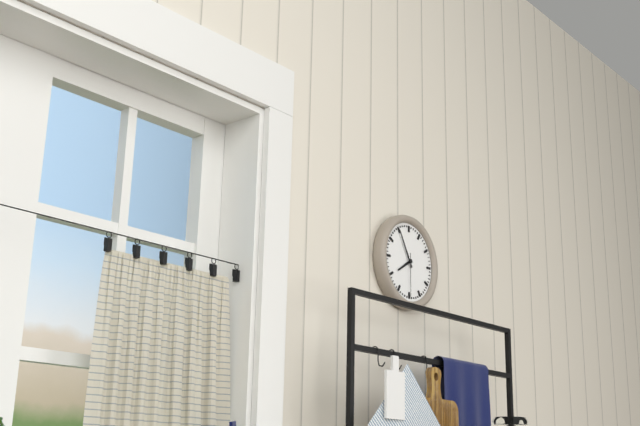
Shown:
7 h 55 min
